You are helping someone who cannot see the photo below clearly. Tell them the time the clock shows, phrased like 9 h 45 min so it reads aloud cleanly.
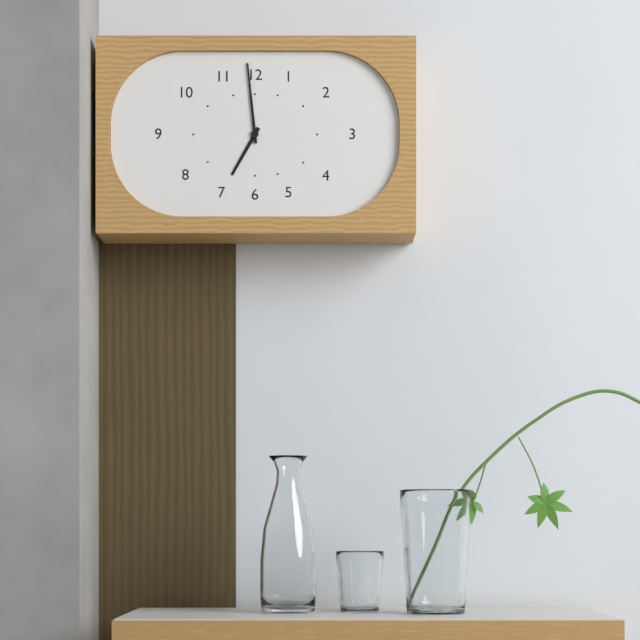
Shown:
6 h 59 min
